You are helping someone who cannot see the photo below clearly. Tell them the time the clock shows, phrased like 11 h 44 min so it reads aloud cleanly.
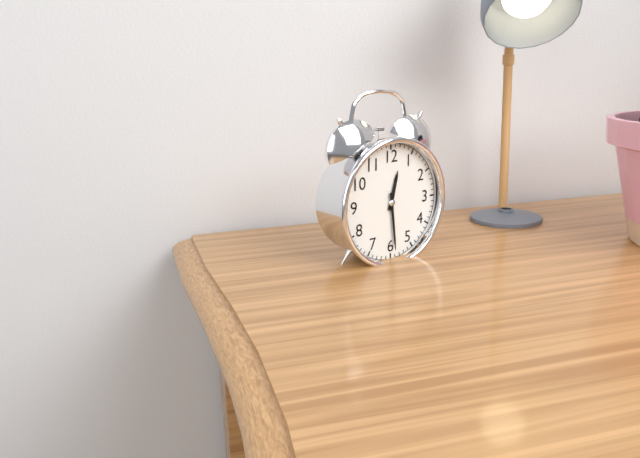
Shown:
12 h 29 min
